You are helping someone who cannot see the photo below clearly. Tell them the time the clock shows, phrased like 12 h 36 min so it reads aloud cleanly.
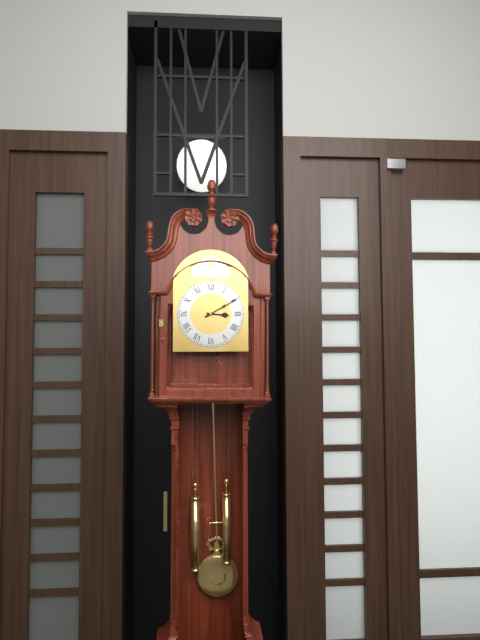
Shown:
3 h 10 min
